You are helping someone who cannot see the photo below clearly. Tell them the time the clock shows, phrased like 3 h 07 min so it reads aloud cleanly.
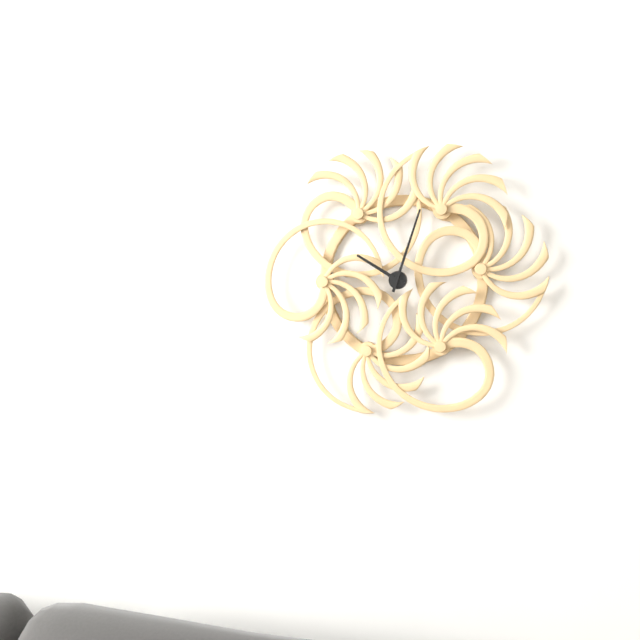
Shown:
10 h 03 min
